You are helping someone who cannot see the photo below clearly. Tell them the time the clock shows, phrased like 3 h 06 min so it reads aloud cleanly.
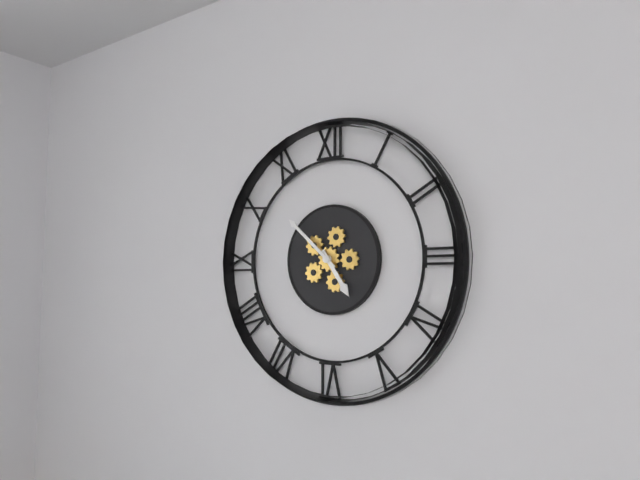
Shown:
4 h 52 min
